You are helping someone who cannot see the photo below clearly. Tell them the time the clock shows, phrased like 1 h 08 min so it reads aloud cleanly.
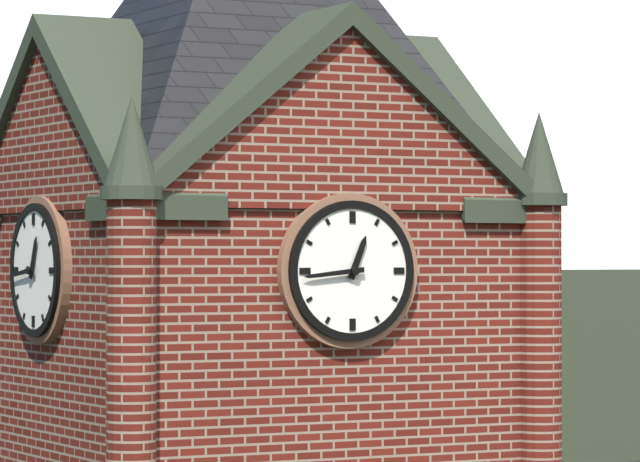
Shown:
12 h 44 min
